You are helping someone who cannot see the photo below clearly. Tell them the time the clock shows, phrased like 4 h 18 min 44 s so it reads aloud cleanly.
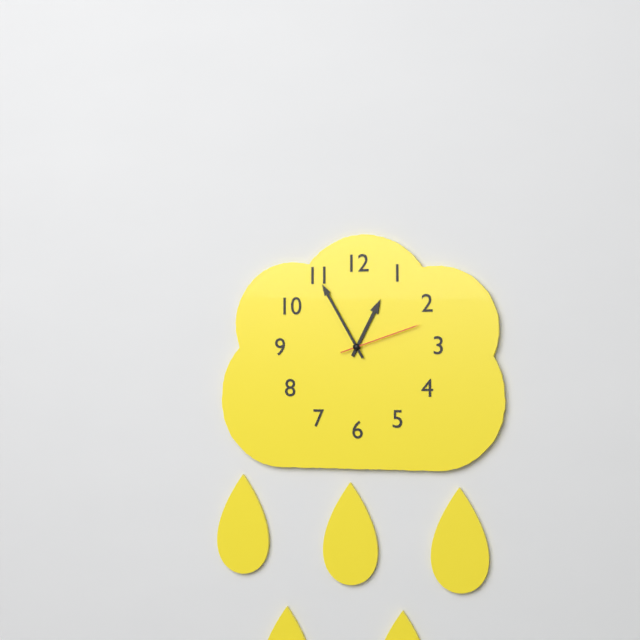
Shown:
12 h 55 min 12 s
